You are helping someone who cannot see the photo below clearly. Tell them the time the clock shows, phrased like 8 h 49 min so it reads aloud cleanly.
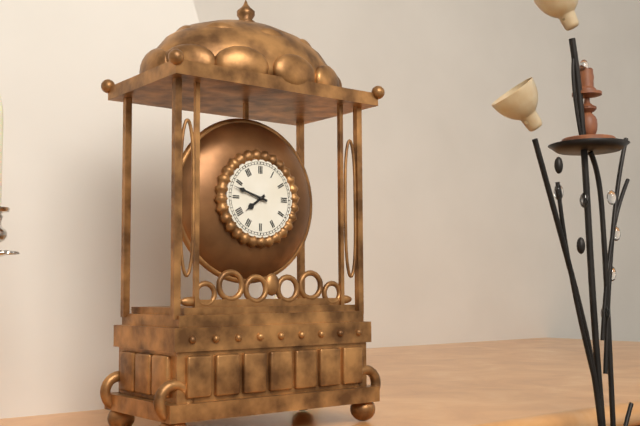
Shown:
7 h 48 min
